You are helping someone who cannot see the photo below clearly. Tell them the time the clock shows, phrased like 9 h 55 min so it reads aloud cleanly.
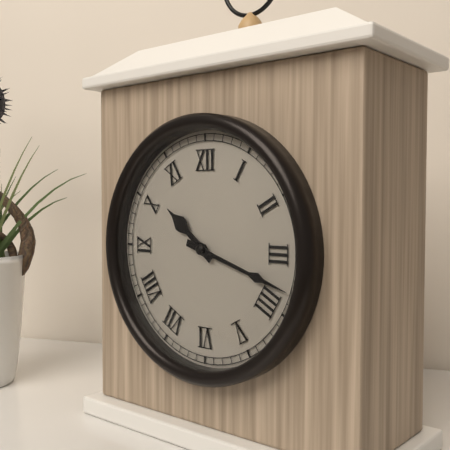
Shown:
10 h 18 min
